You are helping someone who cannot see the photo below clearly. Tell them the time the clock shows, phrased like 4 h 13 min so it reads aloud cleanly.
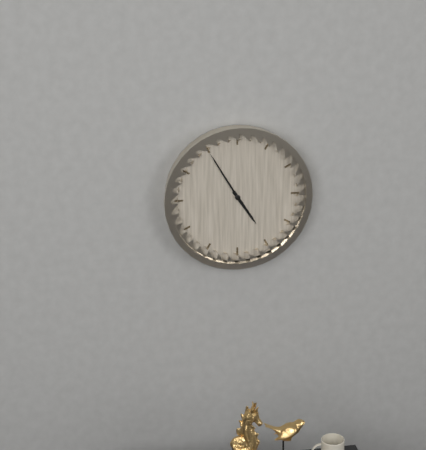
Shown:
4 h 55 min
